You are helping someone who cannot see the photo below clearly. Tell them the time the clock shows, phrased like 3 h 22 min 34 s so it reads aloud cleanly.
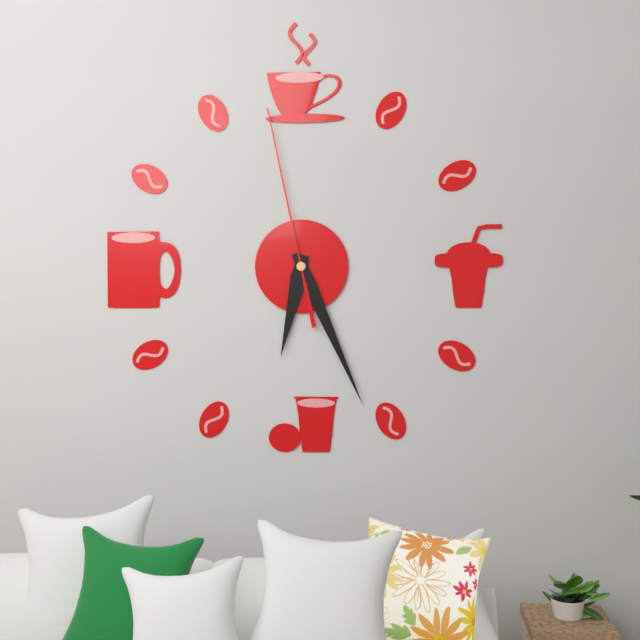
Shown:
6 h 26 min 58 s
